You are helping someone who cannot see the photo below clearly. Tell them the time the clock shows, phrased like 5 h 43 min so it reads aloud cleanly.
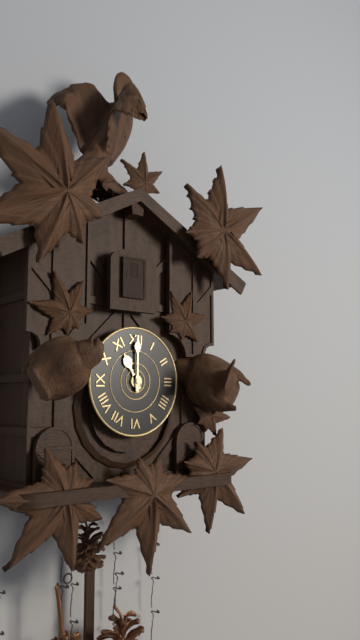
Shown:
11 h 00 min
